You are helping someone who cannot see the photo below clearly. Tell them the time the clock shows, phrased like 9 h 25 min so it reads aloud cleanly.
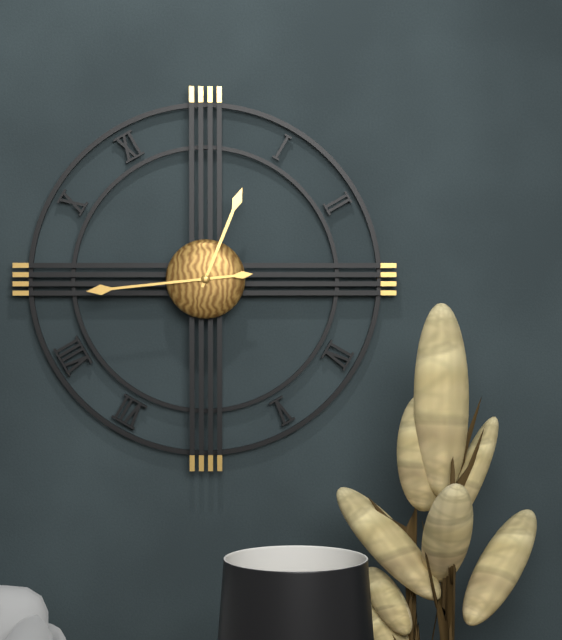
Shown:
12 h 44 min
